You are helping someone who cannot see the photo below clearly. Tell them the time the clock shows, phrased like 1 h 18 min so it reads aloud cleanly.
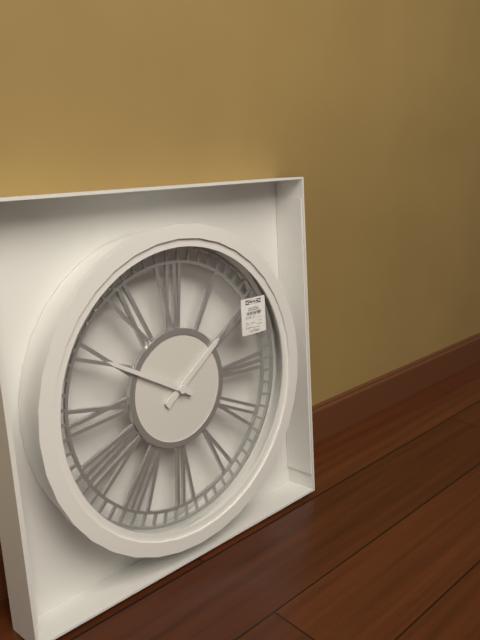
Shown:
1 h 50 min
